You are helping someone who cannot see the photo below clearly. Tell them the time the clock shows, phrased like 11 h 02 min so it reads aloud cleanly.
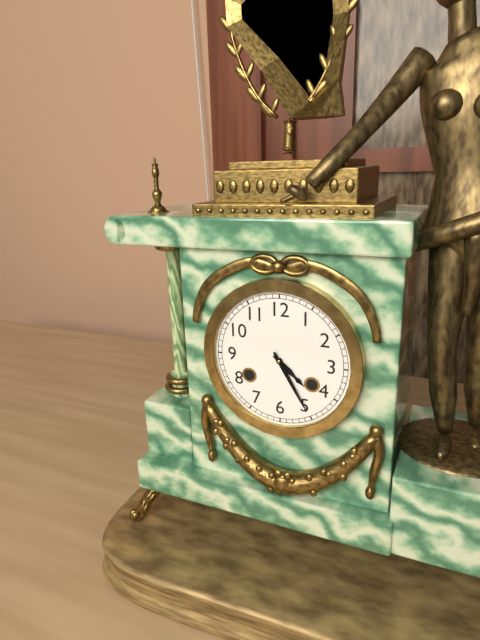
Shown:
4 h 25 min
